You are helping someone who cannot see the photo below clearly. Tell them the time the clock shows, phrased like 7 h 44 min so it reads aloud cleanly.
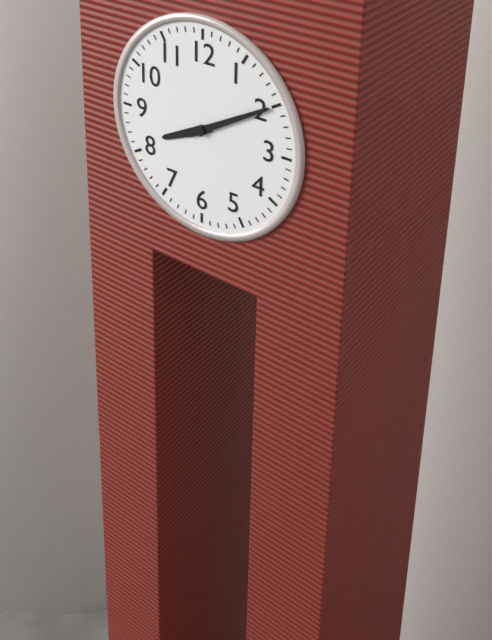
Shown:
8 h 10 min
